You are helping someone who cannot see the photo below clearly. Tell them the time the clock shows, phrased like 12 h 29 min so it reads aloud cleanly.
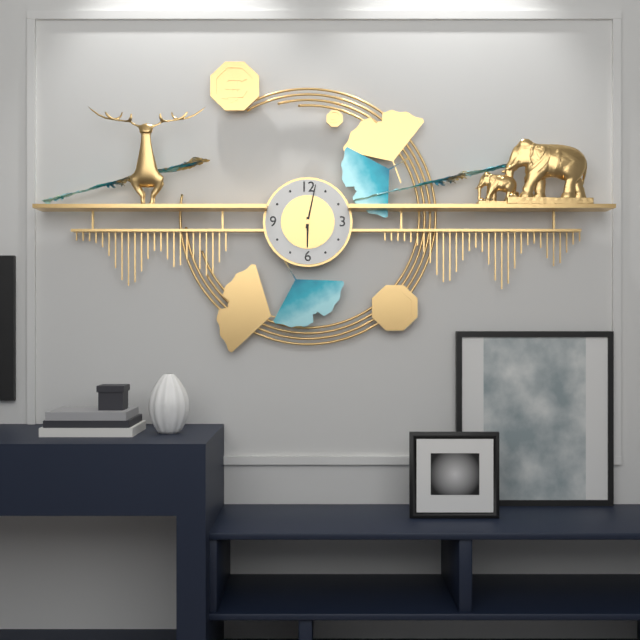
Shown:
6 h 02 min
